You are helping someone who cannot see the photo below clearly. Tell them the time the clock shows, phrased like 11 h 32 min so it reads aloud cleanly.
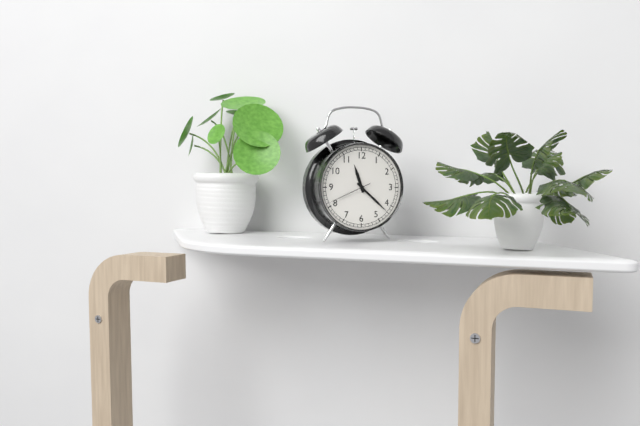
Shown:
11 h 22 min
